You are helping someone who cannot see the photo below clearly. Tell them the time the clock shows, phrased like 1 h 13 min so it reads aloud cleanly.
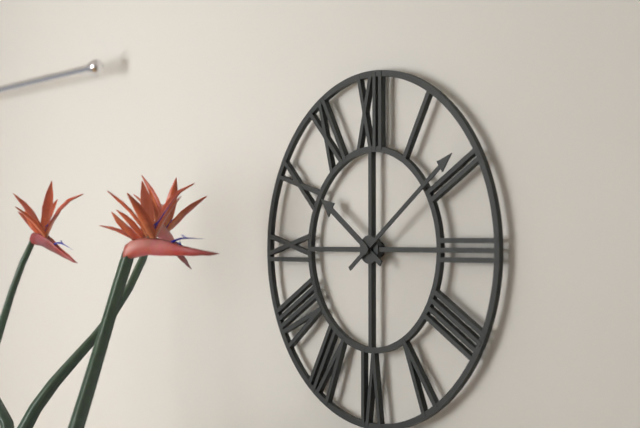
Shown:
10 h 09 min
